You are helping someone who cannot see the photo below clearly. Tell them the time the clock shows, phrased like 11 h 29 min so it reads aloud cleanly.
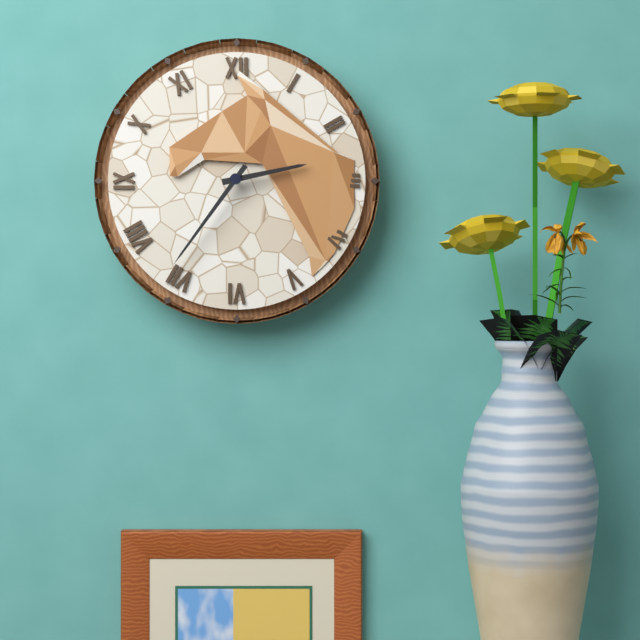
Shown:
2 h 36 min
